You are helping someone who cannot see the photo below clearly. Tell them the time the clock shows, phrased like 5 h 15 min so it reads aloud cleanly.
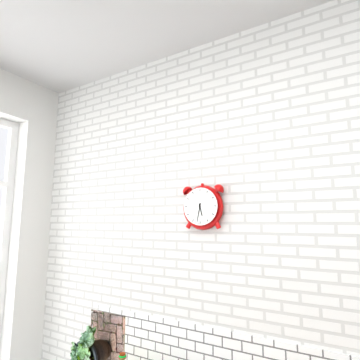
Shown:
5 h 32 min
